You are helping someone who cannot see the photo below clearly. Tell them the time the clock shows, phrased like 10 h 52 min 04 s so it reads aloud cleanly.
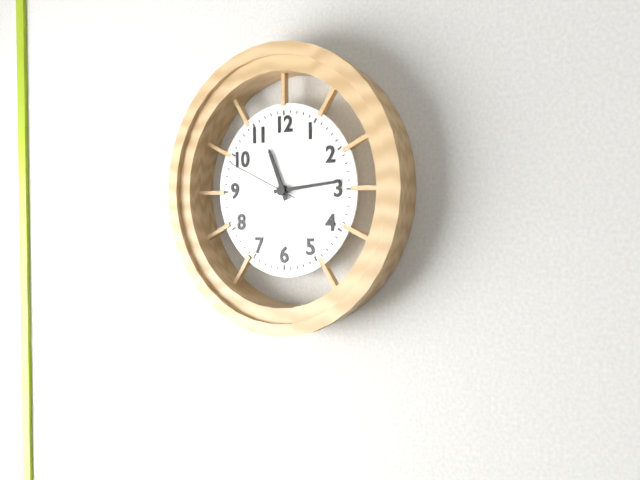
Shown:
11 h 14 min 49 s
